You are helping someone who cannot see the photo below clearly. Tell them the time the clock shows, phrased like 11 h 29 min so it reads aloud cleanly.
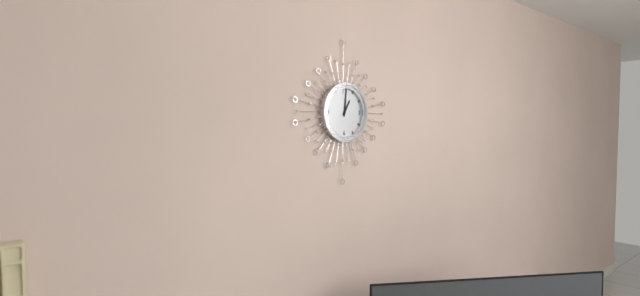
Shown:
1 h 01 min
